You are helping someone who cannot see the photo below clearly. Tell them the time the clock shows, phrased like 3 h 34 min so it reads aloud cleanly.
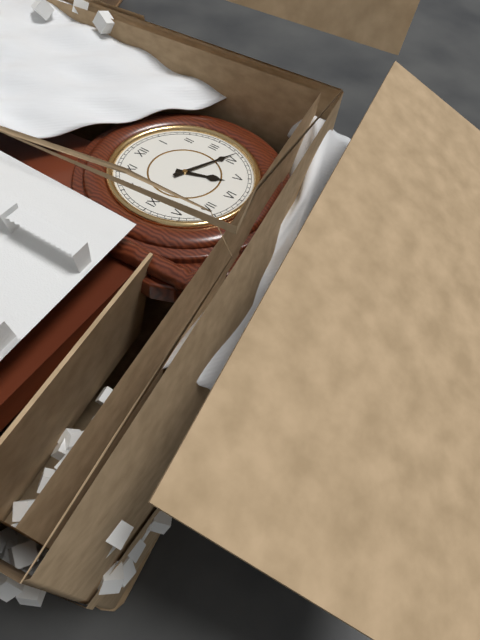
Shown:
5 h 19 min
